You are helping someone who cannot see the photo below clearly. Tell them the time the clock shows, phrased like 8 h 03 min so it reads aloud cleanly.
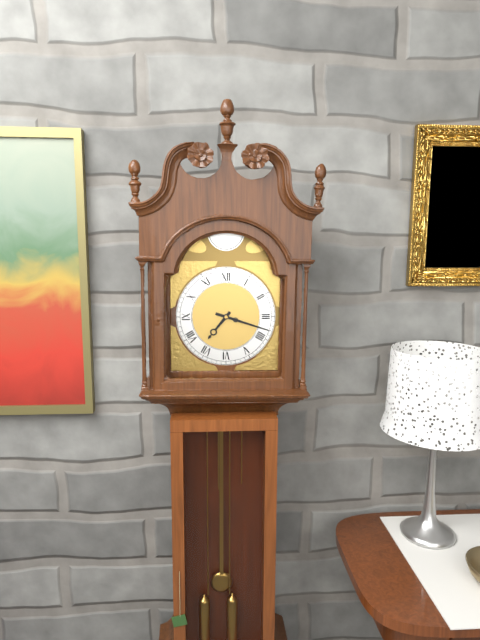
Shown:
7 h 18 min
